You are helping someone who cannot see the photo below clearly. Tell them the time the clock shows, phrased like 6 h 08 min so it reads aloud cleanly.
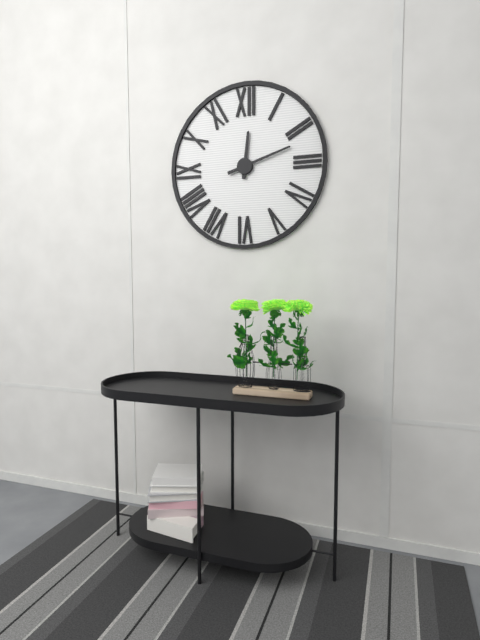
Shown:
12 h 12 min
